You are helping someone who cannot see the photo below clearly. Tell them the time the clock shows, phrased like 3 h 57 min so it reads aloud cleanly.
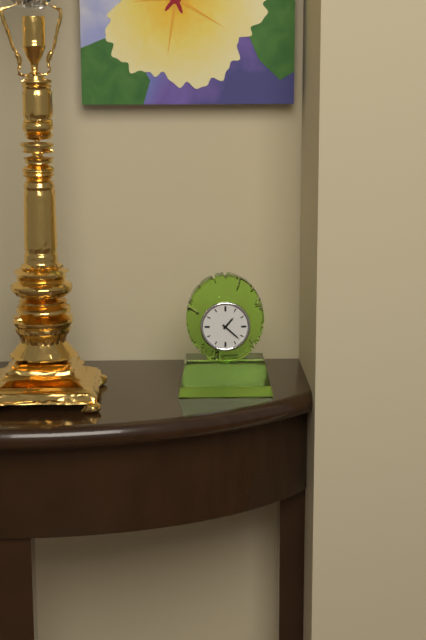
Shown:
1 h 22 min
